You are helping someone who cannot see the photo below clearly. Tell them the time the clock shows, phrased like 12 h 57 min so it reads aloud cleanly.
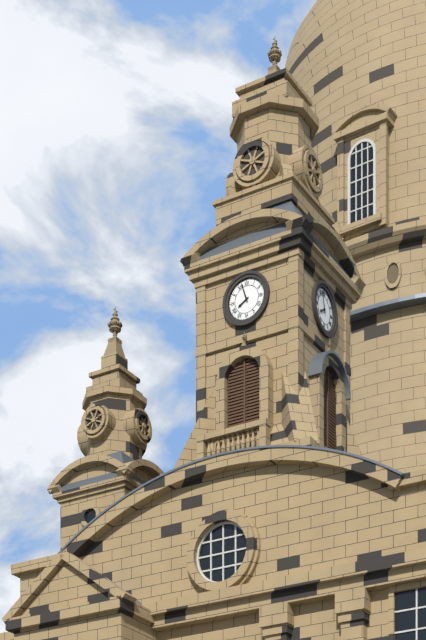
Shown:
7 h 57 min
